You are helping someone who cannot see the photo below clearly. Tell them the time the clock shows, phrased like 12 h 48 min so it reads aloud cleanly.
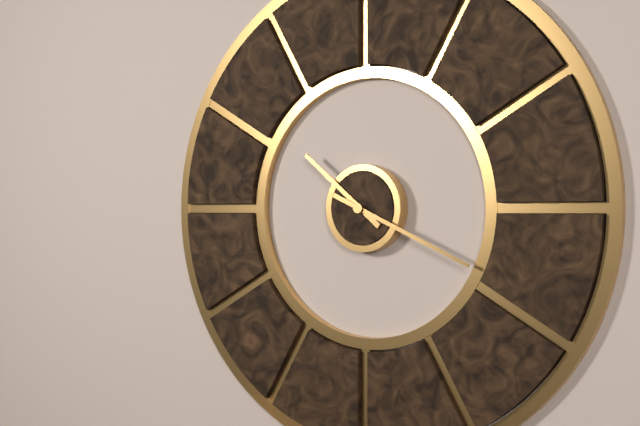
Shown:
10 h 19 min
